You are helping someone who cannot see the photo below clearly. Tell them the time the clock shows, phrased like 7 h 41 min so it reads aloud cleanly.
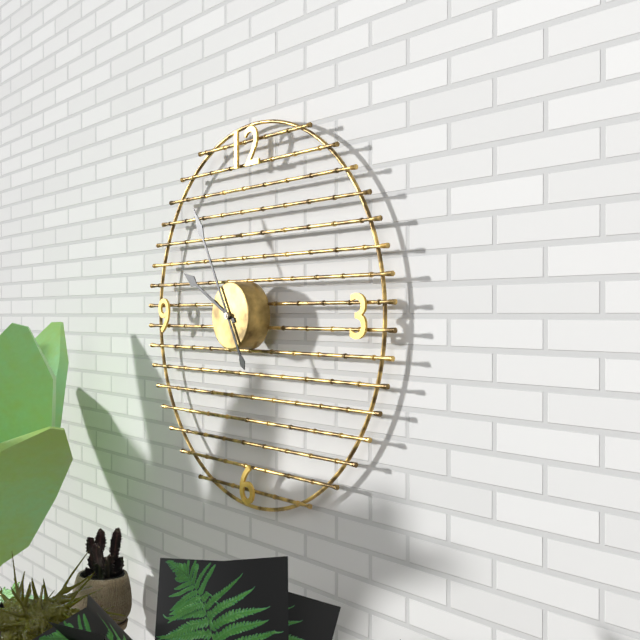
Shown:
9 h 55 min
